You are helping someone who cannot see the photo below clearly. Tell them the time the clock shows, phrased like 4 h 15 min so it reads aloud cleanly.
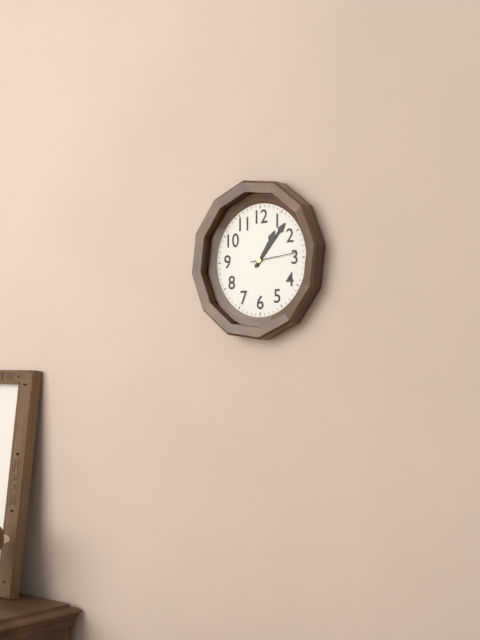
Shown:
1 h 07 min
